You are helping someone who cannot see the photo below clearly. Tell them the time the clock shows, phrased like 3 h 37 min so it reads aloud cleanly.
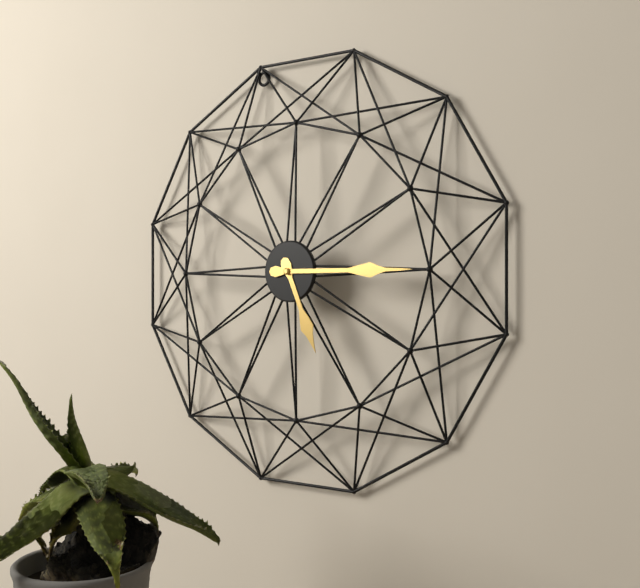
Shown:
5 h 15 min
